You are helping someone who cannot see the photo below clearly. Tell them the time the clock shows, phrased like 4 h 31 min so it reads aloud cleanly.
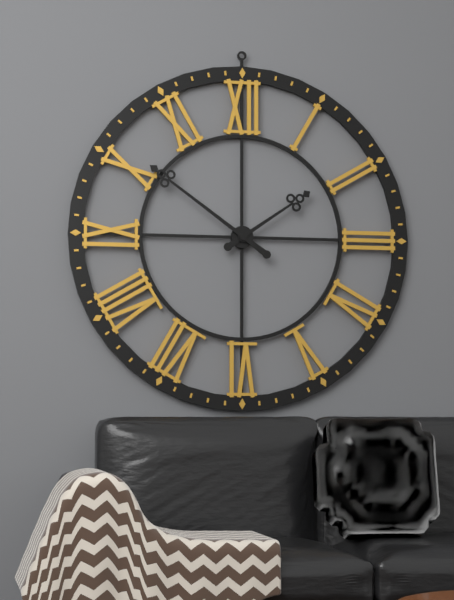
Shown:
1 h 51 min
